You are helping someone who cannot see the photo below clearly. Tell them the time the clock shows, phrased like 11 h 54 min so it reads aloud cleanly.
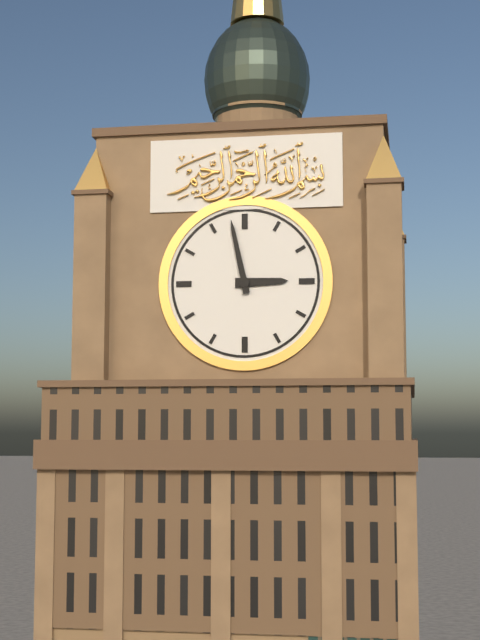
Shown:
2 h 58 min
